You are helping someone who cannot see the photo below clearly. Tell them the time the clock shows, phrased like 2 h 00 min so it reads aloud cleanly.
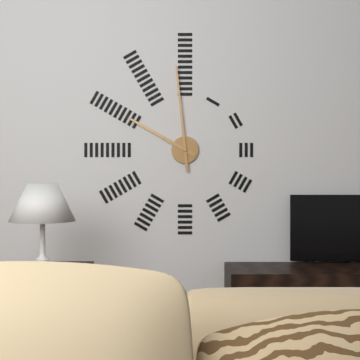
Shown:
9 h 59 min
